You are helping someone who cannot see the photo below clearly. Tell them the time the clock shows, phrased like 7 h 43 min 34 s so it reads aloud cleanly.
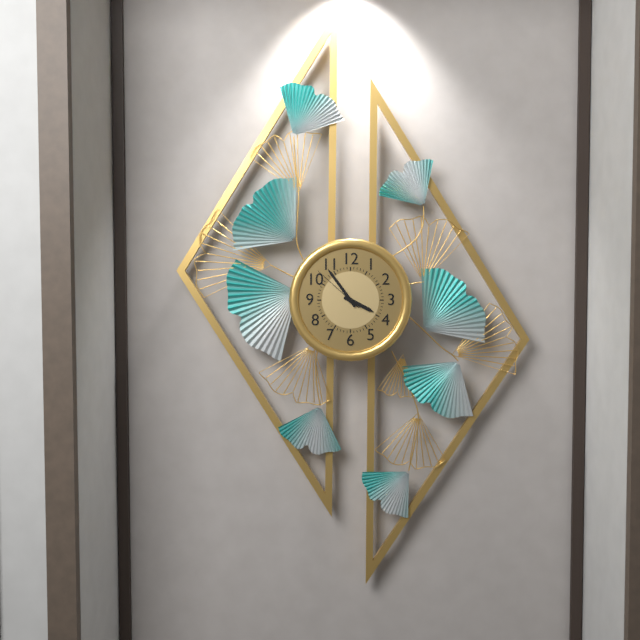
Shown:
3 h 54 min 52 s
